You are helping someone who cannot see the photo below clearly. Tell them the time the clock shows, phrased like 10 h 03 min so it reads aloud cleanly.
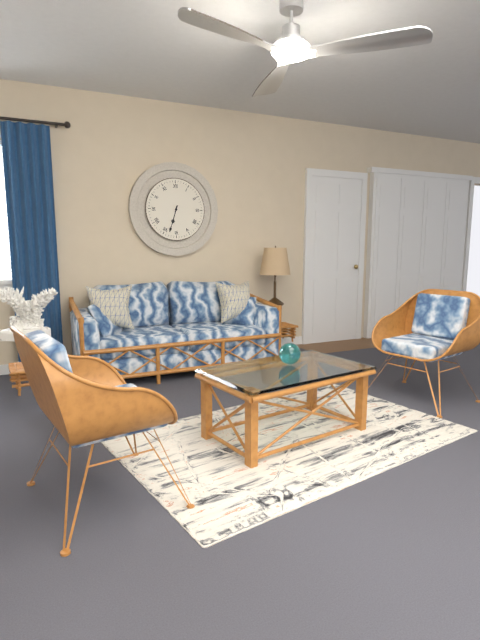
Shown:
6 h 33 min
